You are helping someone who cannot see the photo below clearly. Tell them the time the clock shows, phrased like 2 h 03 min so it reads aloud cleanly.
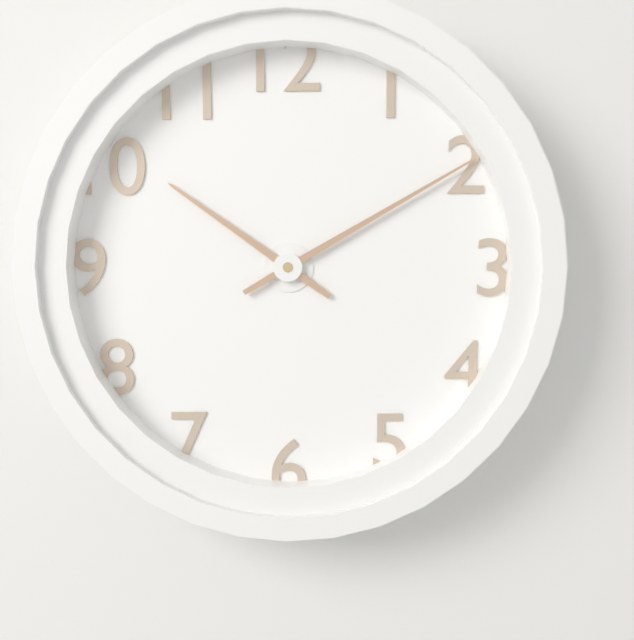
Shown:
10 h 10 min
